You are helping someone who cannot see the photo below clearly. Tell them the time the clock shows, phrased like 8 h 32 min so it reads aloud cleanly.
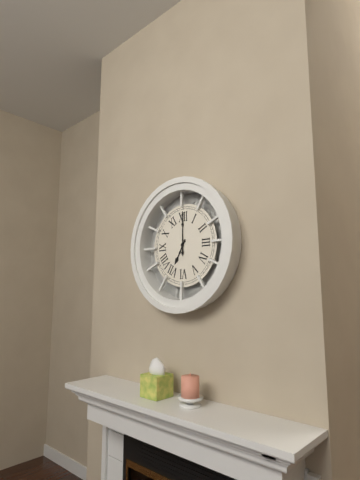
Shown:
7 h 00 min
